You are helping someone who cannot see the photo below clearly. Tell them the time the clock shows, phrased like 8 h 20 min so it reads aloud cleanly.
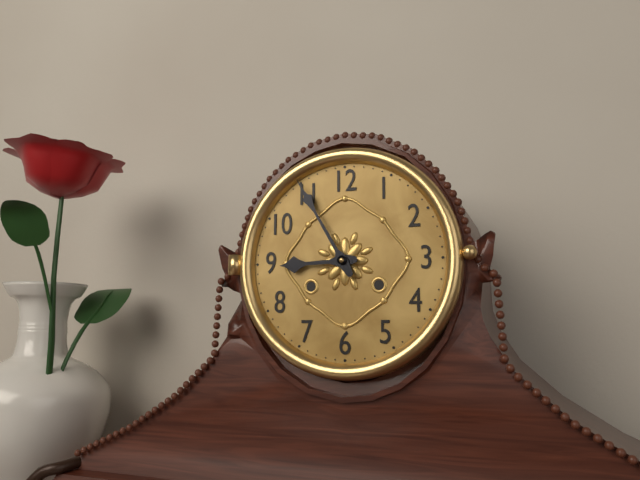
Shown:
8 h 55 min
